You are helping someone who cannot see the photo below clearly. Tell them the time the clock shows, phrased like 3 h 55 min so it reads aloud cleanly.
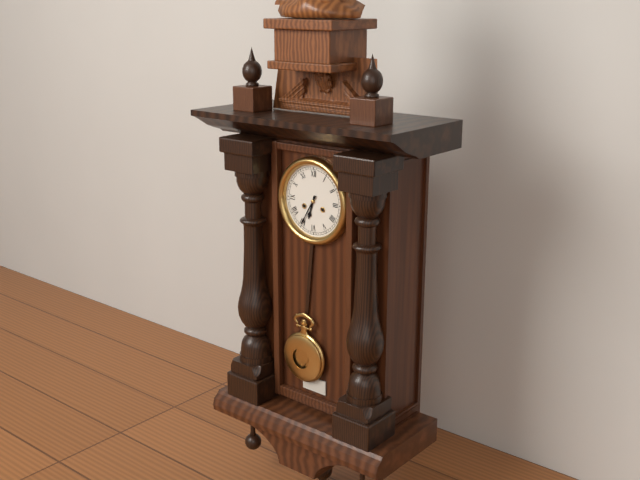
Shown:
6 h 35 min
